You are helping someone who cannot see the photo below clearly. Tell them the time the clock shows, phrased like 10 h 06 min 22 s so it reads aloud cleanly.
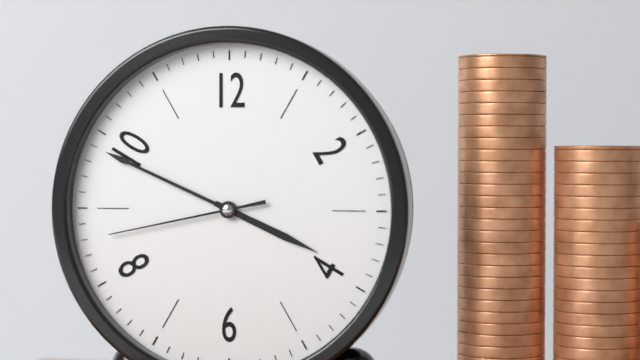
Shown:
3 h 49 min 43 s
